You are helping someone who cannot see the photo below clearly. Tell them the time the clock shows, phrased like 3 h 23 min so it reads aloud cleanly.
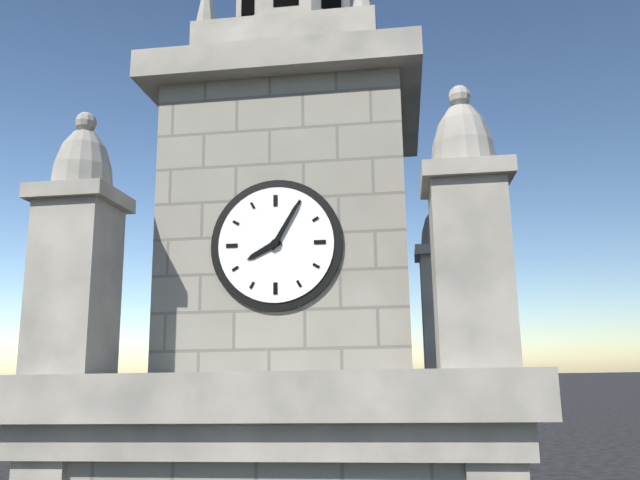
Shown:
8 h 05 min
